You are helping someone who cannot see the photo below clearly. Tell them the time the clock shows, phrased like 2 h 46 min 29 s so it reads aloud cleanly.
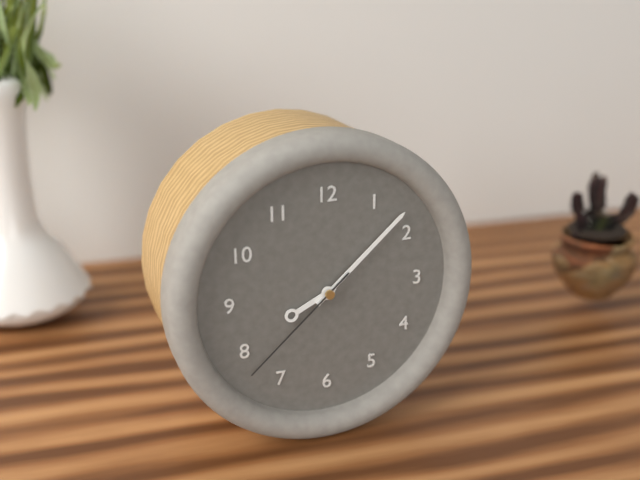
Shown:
8 h 08 min 38 s
